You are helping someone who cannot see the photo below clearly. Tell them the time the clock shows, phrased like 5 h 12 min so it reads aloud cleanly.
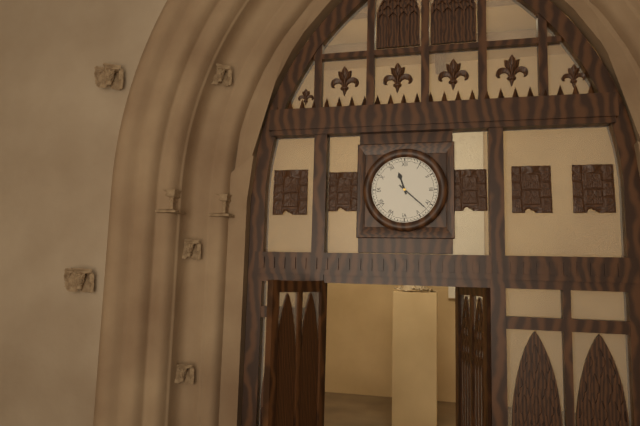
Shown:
11 h 22 min
